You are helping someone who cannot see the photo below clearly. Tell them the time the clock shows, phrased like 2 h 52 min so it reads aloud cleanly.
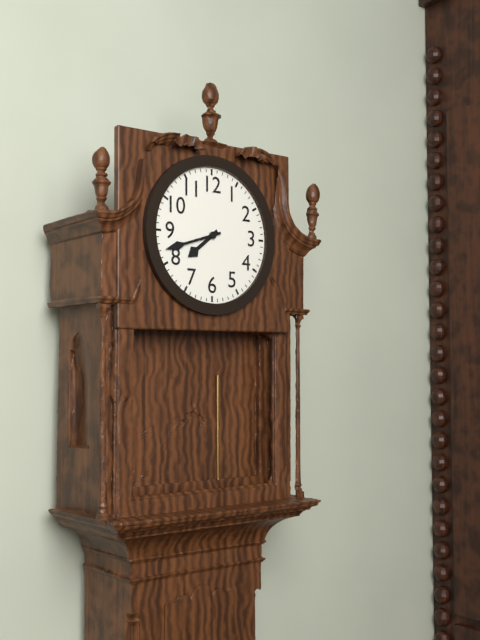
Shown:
7 h 42 min
